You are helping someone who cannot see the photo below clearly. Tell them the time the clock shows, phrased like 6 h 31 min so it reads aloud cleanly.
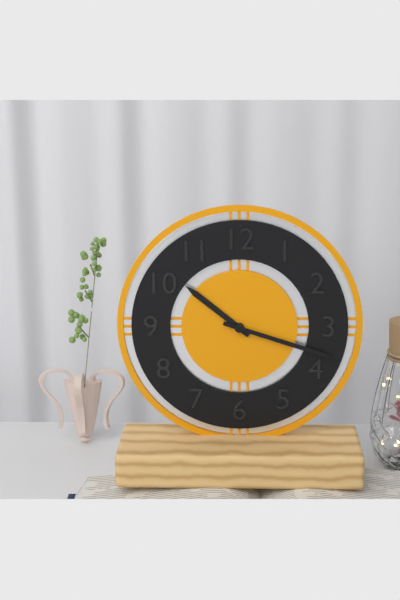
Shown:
10 h 18 min
